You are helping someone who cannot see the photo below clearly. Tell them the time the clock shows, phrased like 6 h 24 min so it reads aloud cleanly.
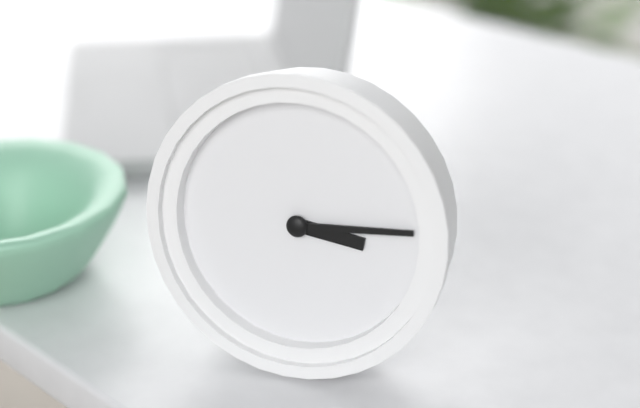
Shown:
3 h 14 min
